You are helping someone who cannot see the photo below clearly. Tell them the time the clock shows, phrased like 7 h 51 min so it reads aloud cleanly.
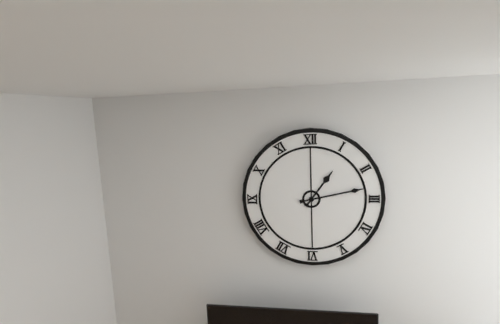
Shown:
1 h 13 min
